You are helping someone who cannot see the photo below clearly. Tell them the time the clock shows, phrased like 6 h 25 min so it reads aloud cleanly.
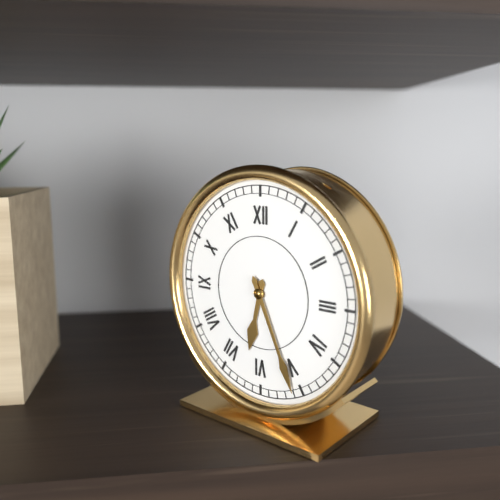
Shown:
6 h 26 min
